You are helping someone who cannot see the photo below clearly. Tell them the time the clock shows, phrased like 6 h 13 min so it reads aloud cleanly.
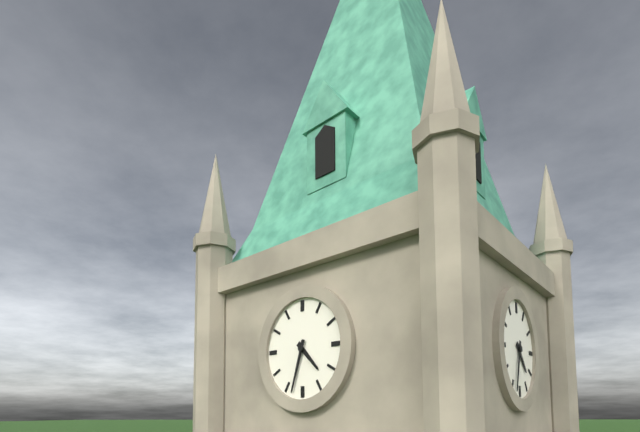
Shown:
4 h 33 min
